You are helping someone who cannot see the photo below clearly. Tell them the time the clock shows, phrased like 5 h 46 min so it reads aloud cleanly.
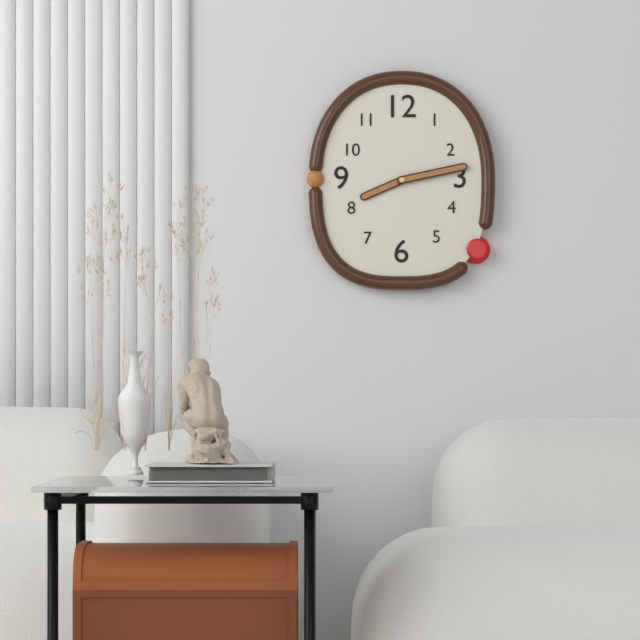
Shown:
8 h 13 min
